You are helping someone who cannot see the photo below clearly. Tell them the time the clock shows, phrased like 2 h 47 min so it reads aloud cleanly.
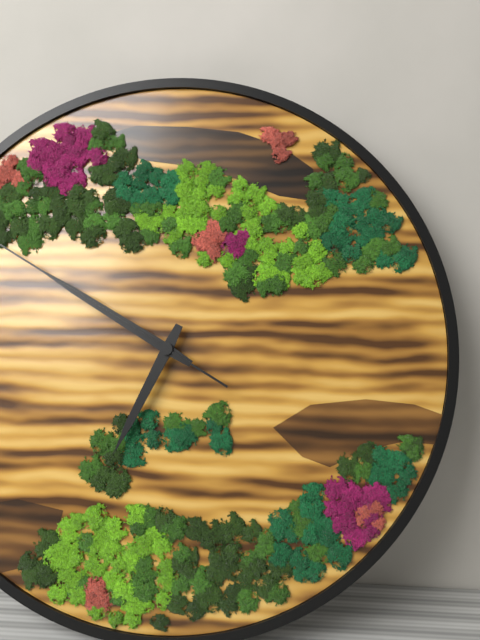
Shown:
6 h 50 min
